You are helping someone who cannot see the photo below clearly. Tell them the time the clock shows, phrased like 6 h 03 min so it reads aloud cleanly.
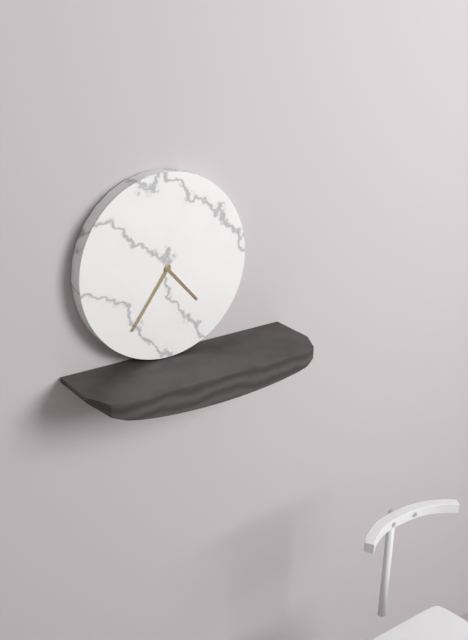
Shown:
4 h 36 min
